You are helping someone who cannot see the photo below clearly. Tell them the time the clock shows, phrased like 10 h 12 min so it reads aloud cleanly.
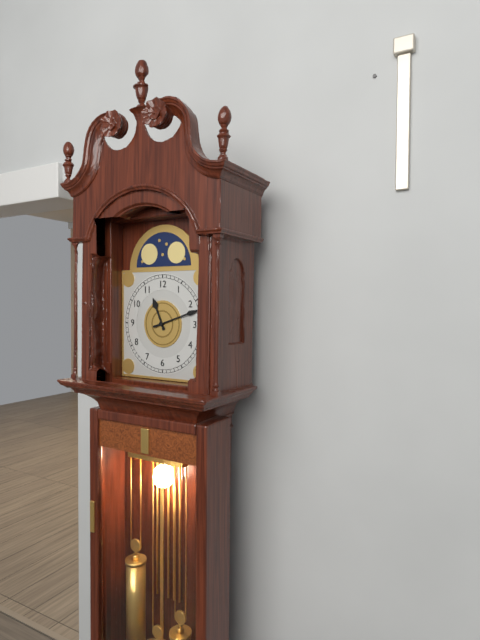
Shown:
11 h 12 min
